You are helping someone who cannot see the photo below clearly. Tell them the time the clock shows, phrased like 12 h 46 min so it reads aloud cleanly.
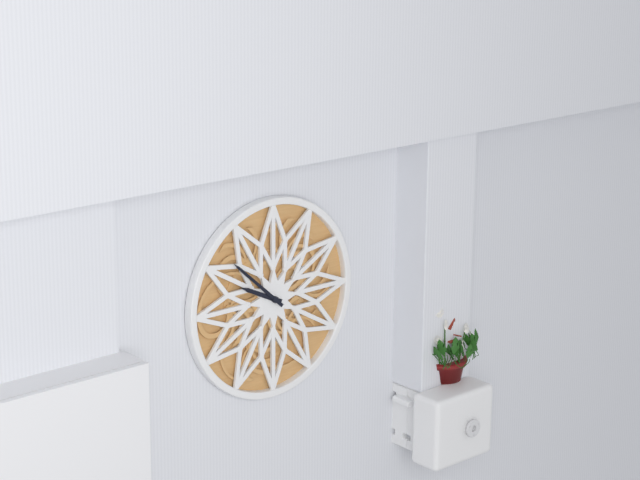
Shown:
9 h 52 min
